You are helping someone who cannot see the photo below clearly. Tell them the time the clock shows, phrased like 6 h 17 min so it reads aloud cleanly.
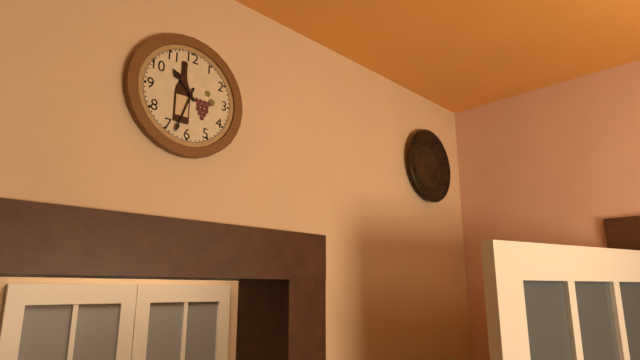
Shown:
10 h 33 min
